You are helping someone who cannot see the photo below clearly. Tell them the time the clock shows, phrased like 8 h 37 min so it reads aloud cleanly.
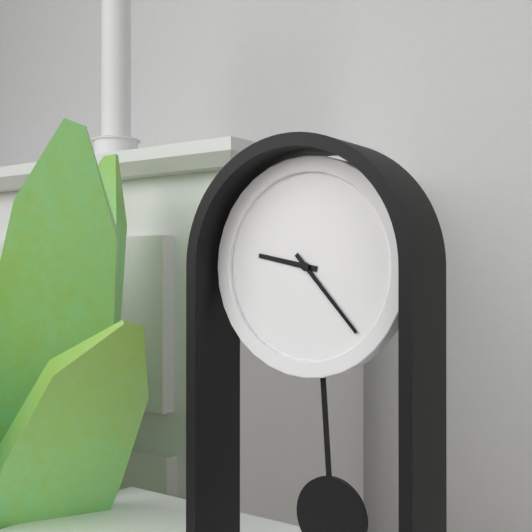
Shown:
9 h 23 min
